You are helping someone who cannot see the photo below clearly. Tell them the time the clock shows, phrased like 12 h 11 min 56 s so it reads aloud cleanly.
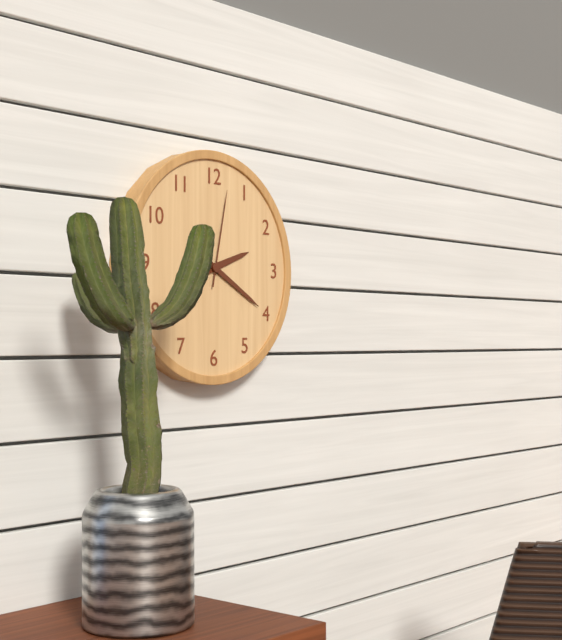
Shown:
2 h 20 min 02 s
